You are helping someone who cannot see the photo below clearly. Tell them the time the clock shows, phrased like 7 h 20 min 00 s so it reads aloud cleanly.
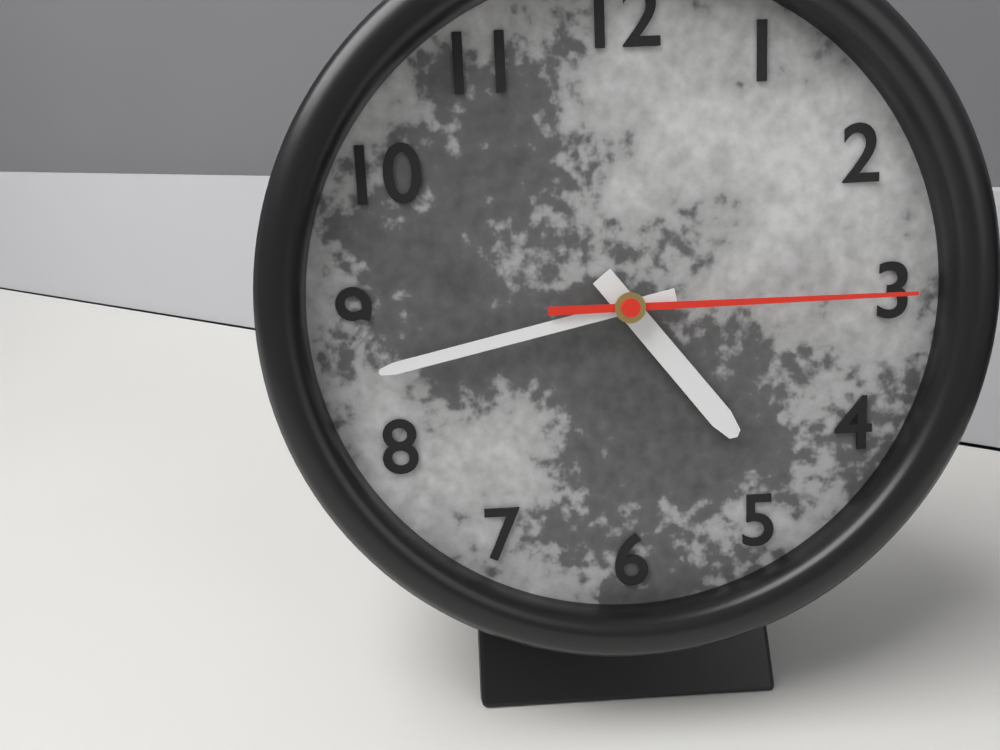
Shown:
4 h 43 min 15 s
